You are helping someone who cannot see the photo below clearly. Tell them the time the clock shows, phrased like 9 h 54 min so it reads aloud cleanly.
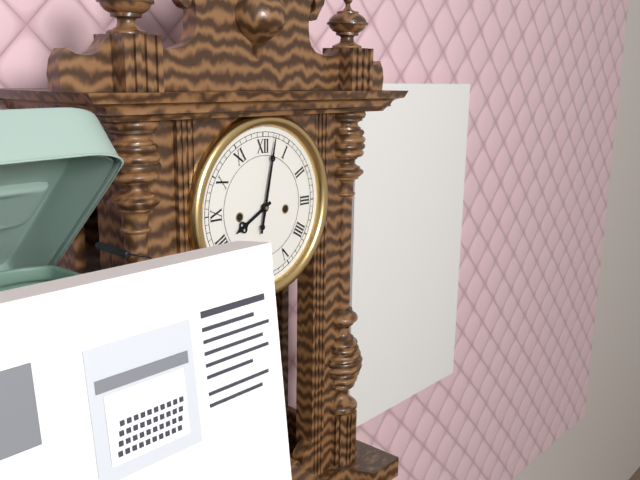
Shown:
8 h 02 min
